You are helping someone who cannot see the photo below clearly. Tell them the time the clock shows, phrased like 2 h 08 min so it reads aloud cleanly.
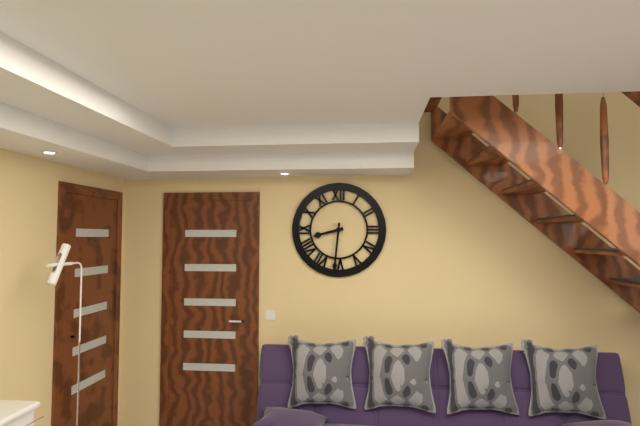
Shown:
8 h 31 min
